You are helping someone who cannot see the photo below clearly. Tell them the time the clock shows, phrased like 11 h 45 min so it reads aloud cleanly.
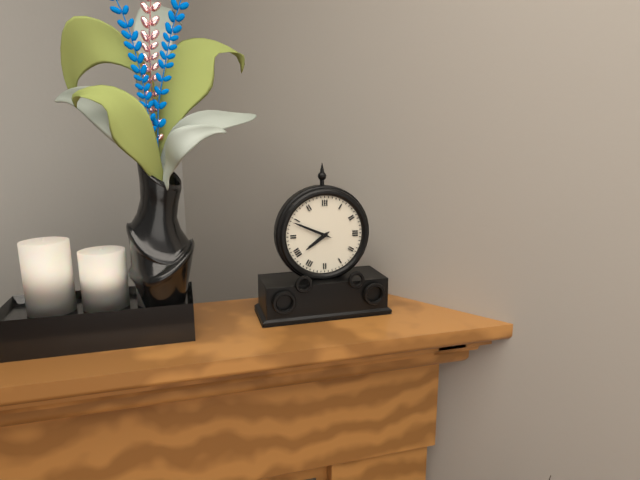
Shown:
7 h 49 min
